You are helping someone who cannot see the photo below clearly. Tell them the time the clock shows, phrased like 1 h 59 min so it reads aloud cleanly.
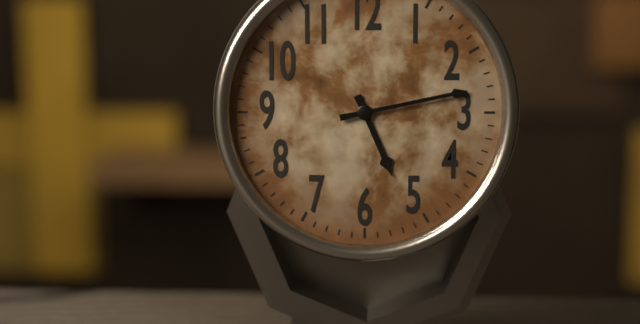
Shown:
5 h 13 min
